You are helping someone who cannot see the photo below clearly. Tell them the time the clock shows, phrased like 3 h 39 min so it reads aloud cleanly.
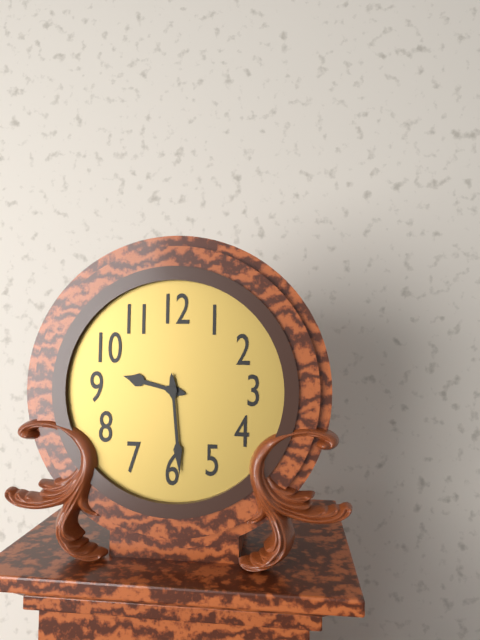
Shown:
9 h 29 min
